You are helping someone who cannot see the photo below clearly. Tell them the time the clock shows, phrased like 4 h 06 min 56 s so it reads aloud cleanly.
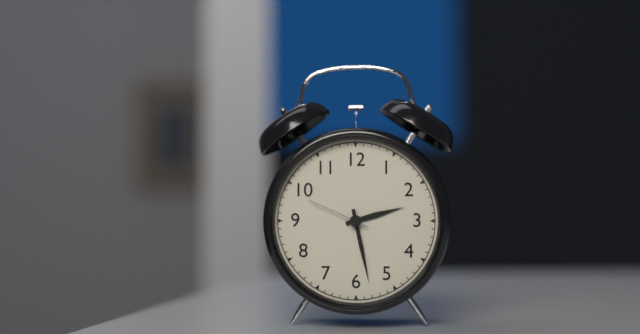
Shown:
2 h 28 min 49 s
